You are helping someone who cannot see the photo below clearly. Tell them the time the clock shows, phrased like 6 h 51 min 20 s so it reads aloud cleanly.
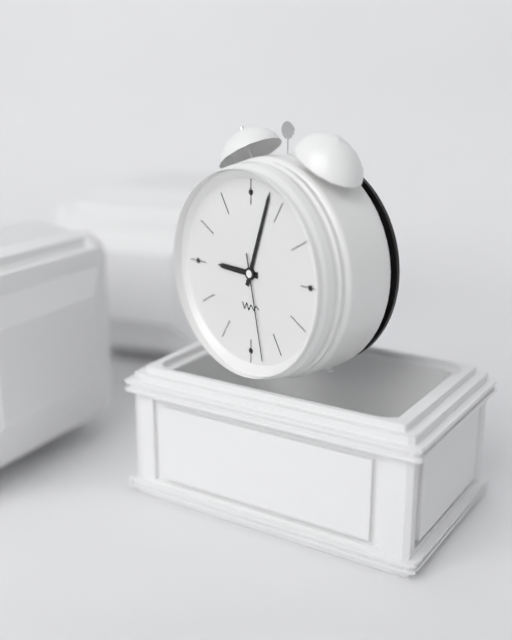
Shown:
9 h 03 min 28 s
